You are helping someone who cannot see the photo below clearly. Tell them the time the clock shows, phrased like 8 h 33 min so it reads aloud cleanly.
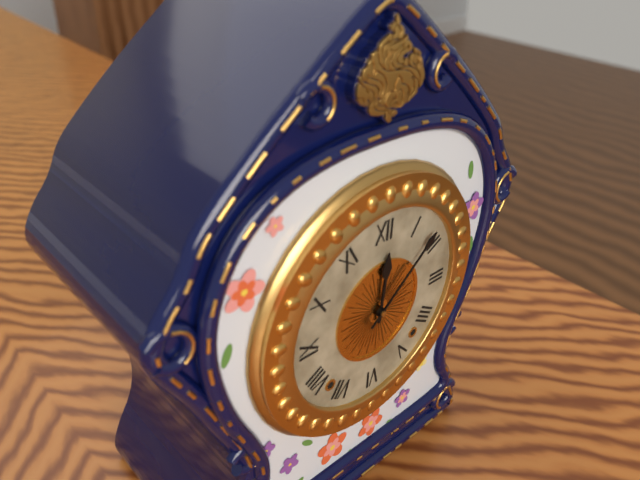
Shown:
12 h 08 min
